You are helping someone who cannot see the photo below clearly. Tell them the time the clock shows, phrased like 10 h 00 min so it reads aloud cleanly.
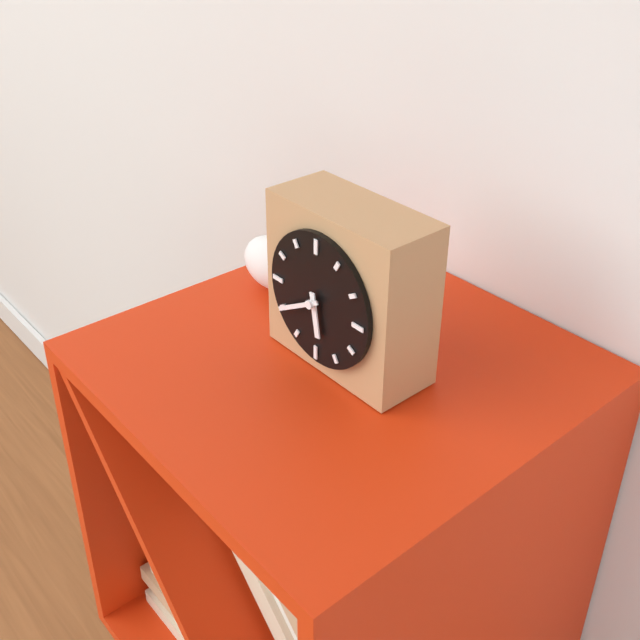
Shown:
5 h 40 min
